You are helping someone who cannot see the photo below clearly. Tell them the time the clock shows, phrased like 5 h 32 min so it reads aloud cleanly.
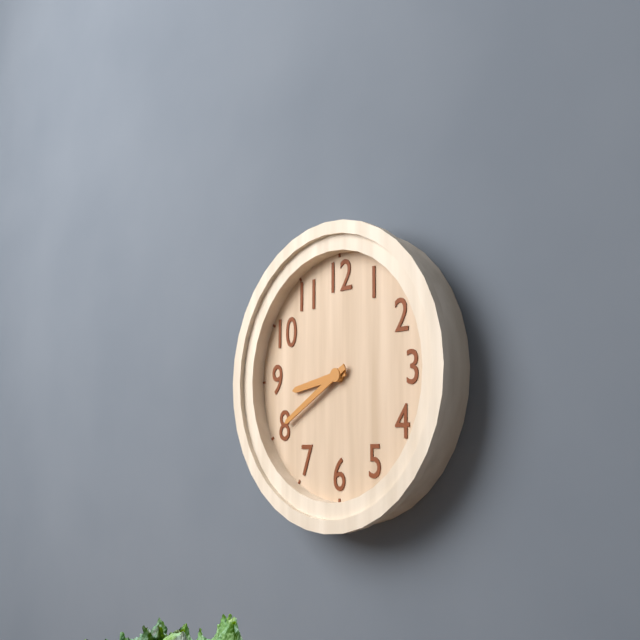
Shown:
8 h 40 min
